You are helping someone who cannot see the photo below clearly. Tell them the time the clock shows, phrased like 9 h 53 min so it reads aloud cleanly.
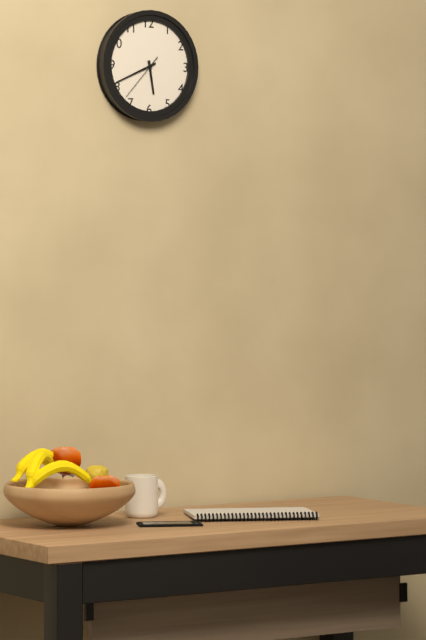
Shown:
5 h 41 min
